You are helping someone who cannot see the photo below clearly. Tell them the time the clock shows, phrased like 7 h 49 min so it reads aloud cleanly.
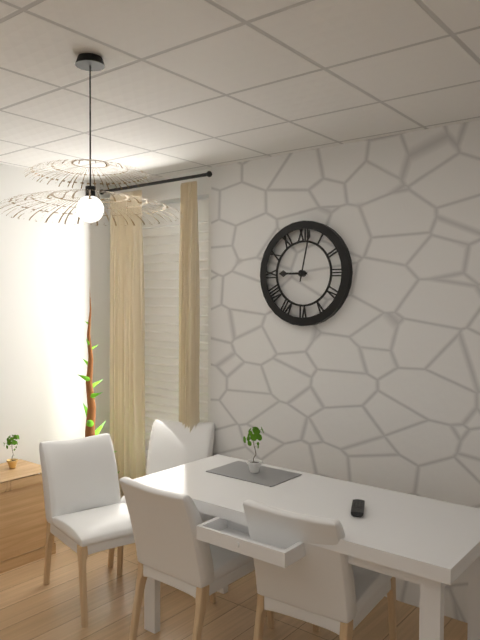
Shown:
9 h 02 min
